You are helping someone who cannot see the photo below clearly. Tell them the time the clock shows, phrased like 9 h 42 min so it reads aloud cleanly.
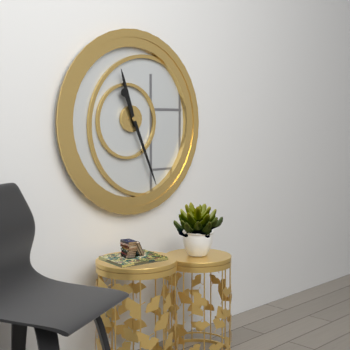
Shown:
11 h 26 min
